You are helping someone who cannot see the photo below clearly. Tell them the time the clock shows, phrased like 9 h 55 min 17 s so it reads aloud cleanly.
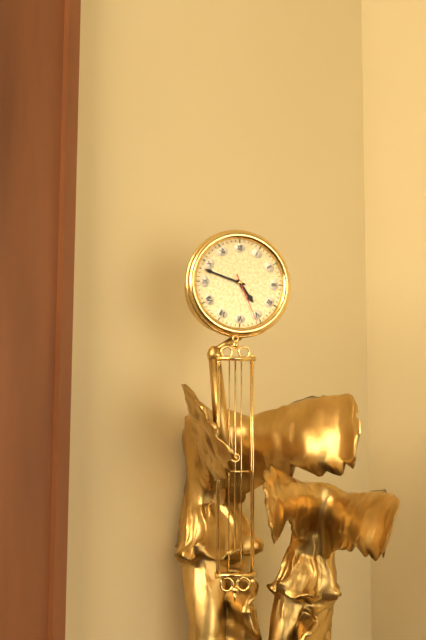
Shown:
4 h 48 min 26 s
